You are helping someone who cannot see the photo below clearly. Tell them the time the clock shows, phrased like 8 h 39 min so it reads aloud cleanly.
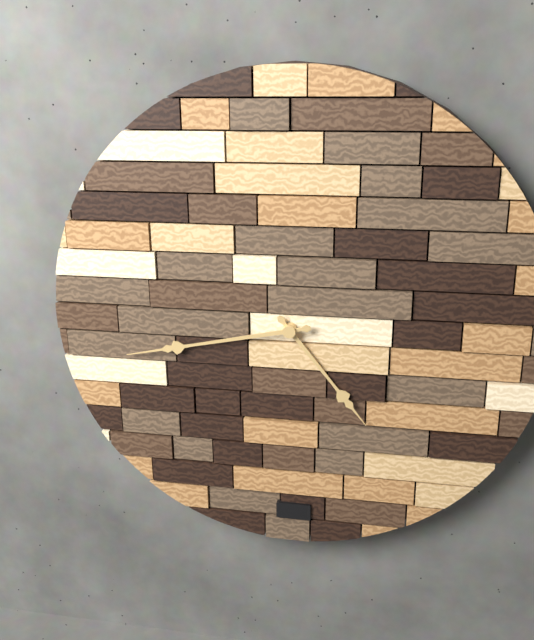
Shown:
4 h 43 min
